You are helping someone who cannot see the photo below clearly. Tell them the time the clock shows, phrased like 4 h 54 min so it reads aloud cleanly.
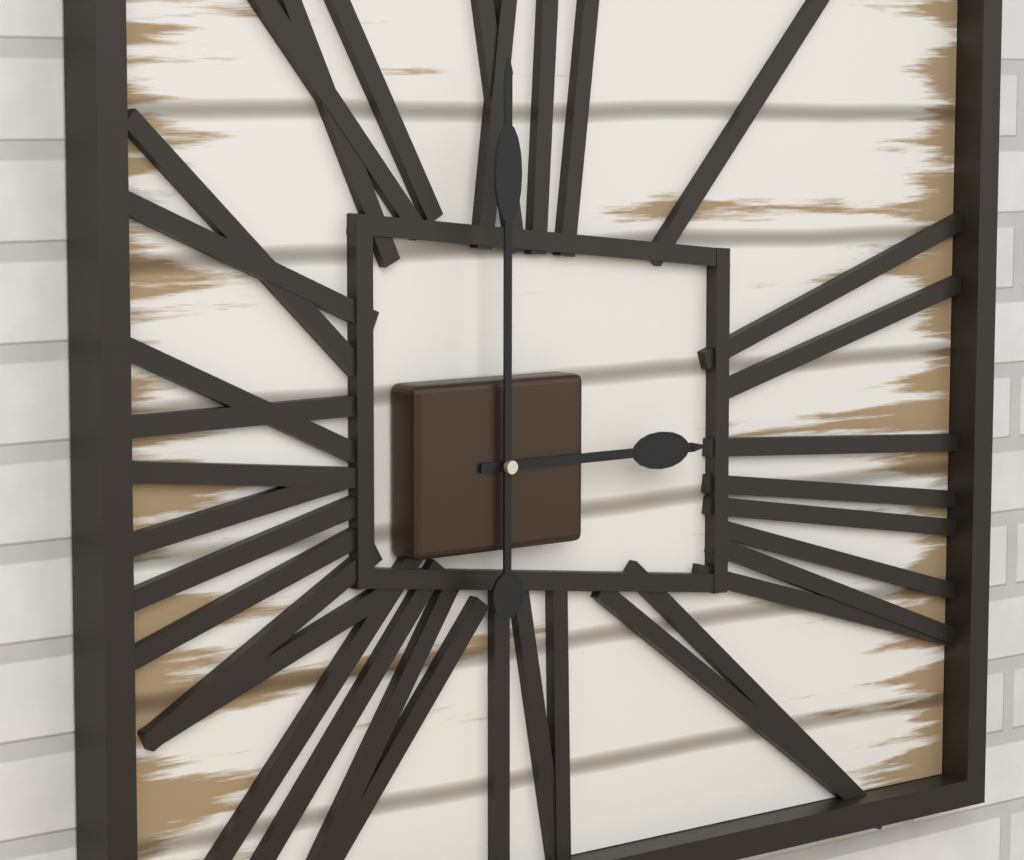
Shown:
3 h 00 min
